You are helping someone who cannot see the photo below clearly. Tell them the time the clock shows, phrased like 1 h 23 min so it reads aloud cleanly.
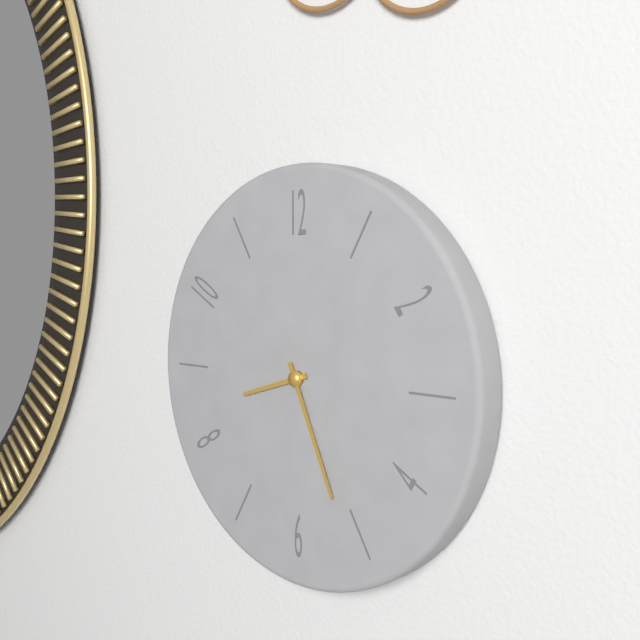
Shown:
8 h 26 min
